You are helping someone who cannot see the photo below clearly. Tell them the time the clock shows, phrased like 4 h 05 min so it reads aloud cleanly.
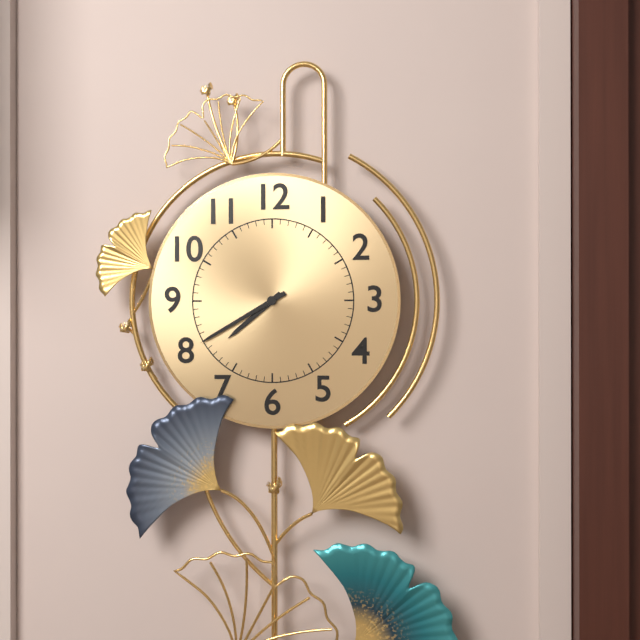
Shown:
7 h 40 min
